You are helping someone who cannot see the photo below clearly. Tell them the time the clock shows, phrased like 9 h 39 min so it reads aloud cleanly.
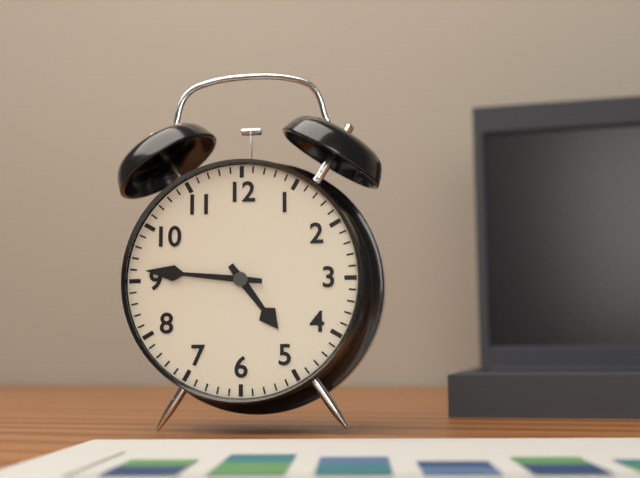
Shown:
4 h 46 min
